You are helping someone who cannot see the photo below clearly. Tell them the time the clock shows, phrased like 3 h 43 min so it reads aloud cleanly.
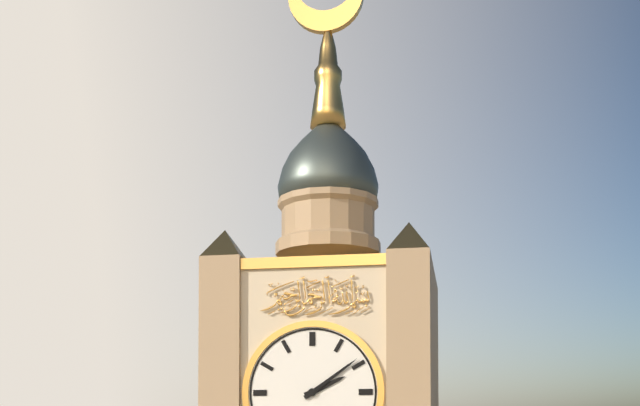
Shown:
2 h 09 min
